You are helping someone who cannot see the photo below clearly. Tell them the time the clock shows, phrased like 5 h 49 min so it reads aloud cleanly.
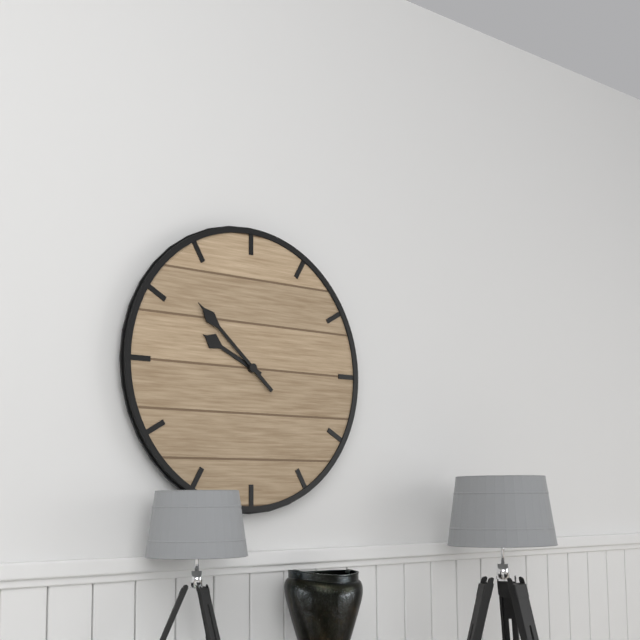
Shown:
9 h 52 min
